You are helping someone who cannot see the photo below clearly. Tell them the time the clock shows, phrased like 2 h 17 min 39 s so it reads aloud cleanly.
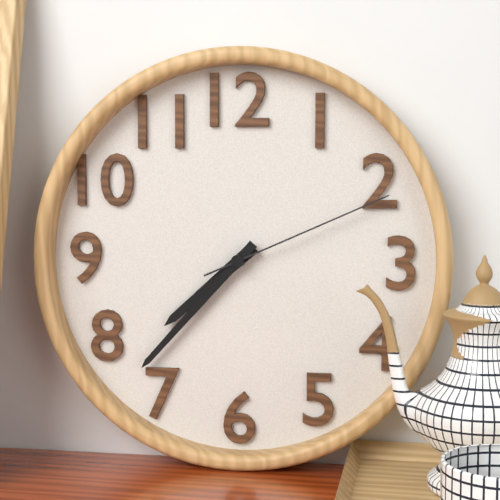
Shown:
7 h 37 min 11 s
